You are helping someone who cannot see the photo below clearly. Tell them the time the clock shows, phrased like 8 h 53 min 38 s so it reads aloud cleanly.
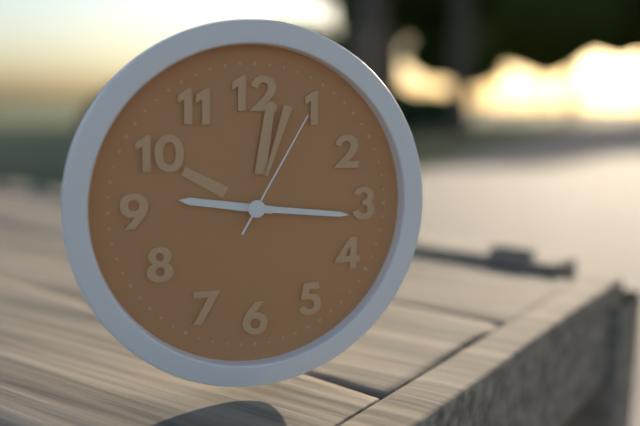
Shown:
9 h 16 min 05 s
